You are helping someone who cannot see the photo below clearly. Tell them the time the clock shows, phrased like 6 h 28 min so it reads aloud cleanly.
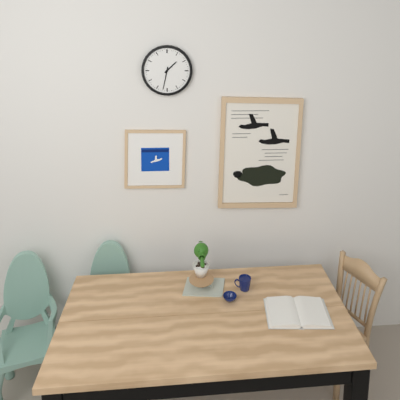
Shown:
1 h 32 min
